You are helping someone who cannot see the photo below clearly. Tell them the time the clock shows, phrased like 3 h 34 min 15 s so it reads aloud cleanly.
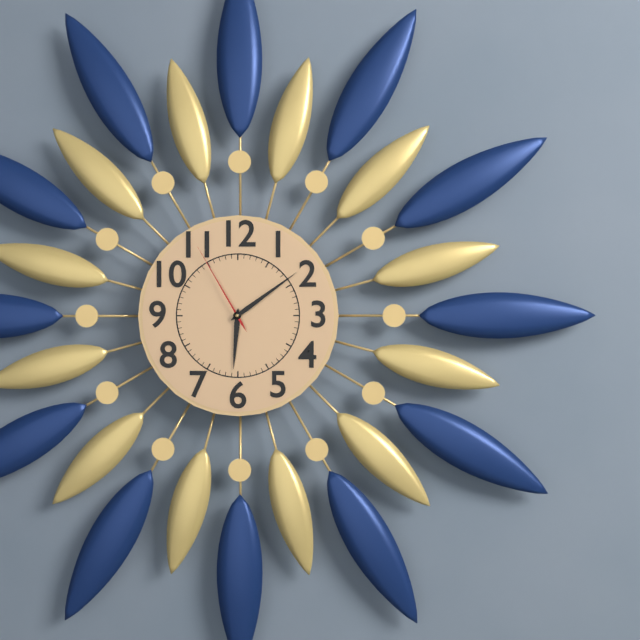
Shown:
6 h 09 min 55 s
